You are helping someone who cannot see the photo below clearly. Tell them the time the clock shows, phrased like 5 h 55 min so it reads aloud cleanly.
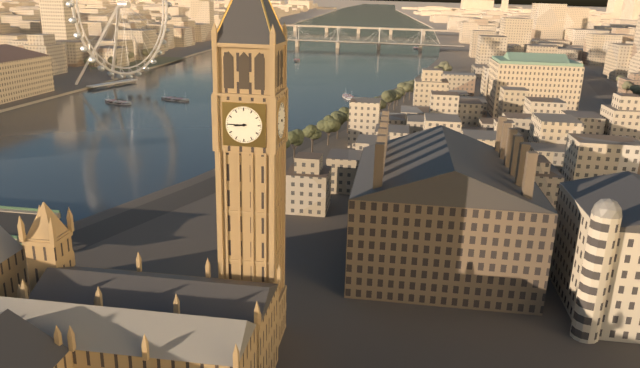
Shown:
8 h 45 min
